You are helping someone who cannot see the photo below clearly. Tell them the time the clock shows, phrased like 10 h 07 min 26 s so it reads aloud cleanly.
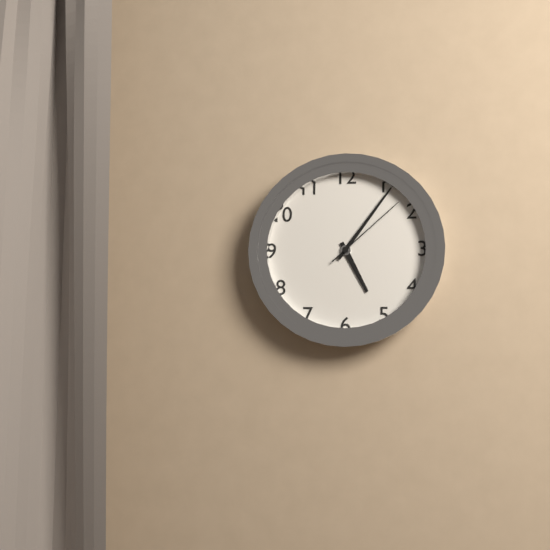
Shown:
5 h 06 min 08 s
